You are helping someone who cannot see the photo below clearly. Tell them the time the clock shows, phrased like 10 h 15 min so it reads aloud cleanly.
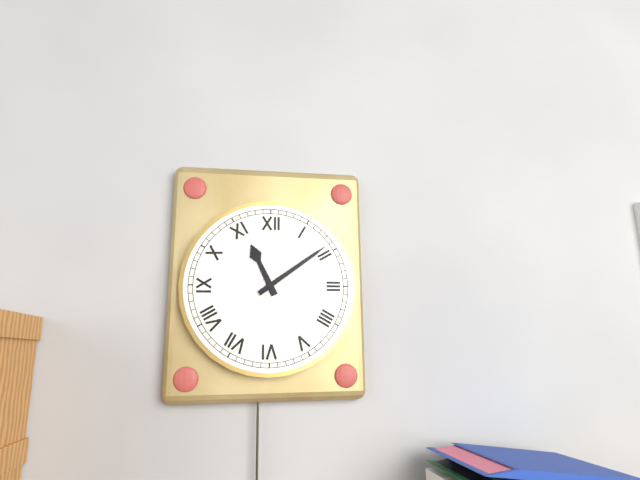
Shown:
11 h 09 min
